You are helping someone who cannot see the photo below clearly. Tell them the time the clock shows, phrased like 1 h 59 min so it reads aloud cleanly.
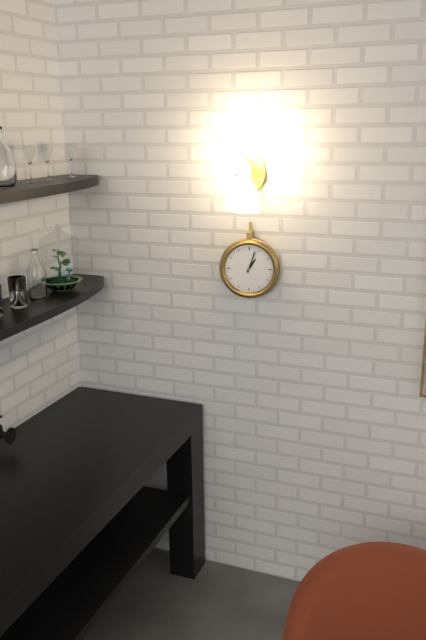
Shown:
1 h 03 min
